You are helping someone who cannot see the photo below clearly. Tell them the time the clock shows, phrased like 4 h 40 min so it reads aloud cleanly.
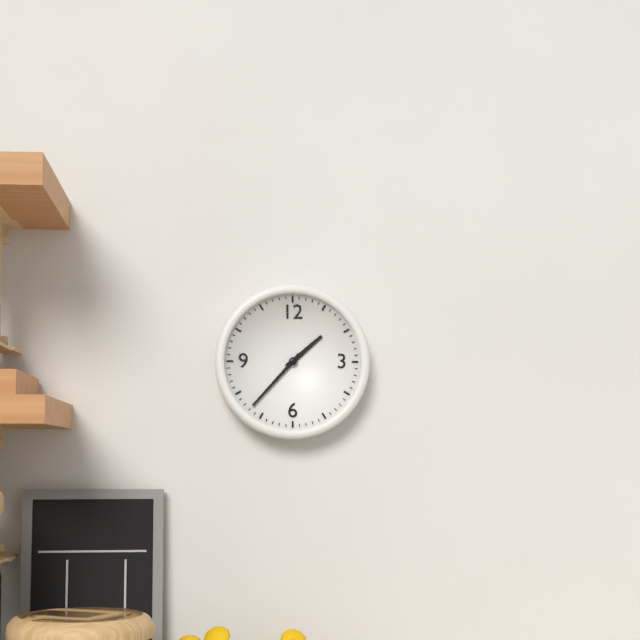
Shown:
1 h 37 min
